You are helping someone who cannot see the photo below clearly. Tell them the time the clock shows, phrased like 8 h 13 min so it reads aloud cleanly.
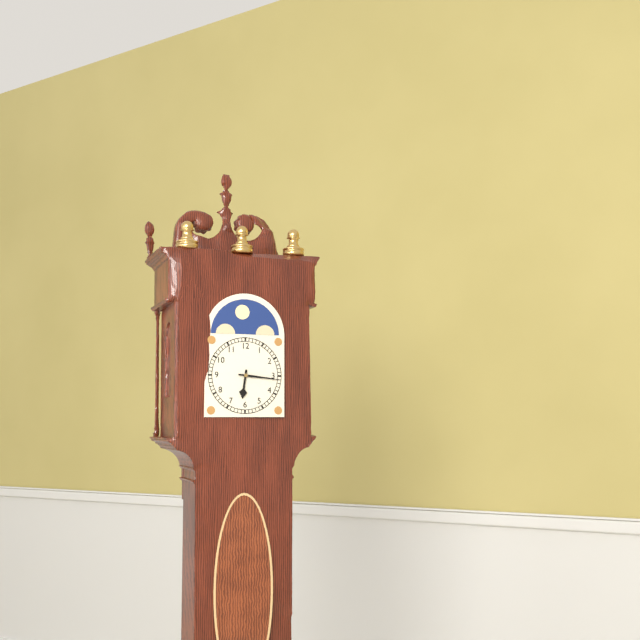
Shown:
6 h 16 min
